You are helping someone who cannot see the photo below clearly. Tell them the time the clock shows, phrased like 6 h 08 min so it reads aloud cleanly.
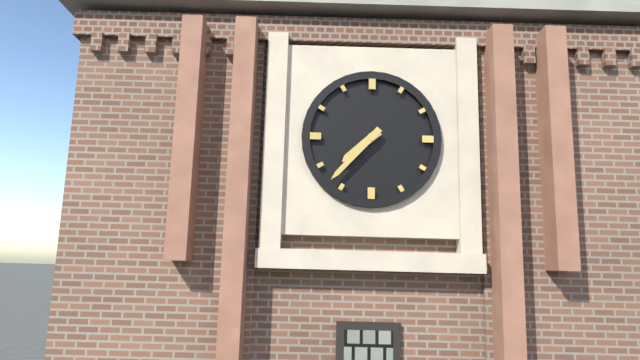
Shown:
7 h 37 min
